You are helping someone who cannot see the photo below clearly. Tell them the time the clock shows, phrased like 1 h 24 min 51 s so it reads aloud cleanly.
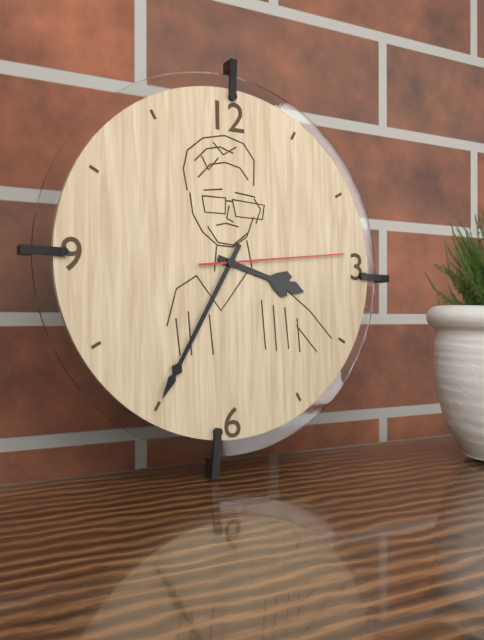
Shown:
3 h 35 min 14 s
